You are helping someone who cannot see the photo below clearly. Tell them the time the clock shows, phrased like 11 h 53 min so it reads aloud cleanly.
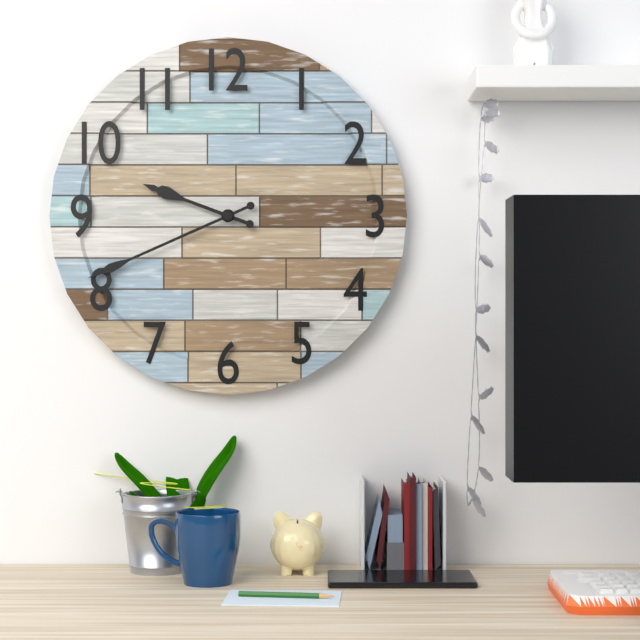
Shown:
9 h 41 min
